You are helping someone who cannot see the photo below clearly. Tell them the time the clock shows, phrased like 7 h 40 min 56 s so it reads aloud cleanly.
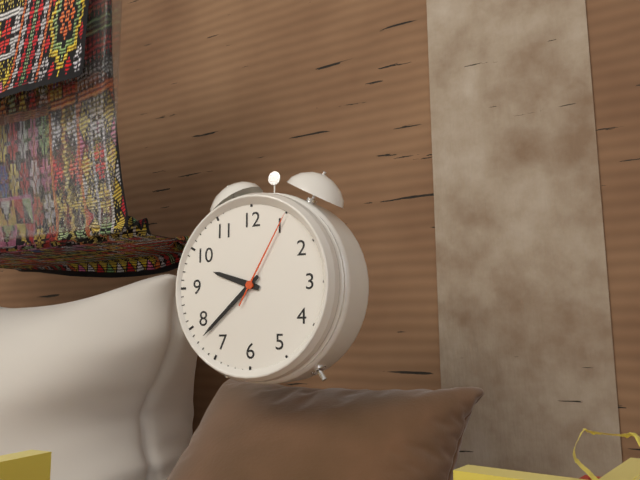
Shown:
9 h 38 min 05 s
